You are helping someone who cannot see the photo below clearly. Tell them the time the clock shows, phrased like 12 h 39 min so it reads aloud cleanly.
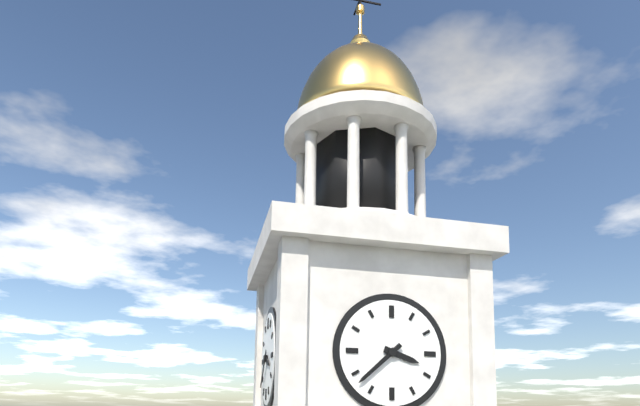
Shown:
3 h 38 min
